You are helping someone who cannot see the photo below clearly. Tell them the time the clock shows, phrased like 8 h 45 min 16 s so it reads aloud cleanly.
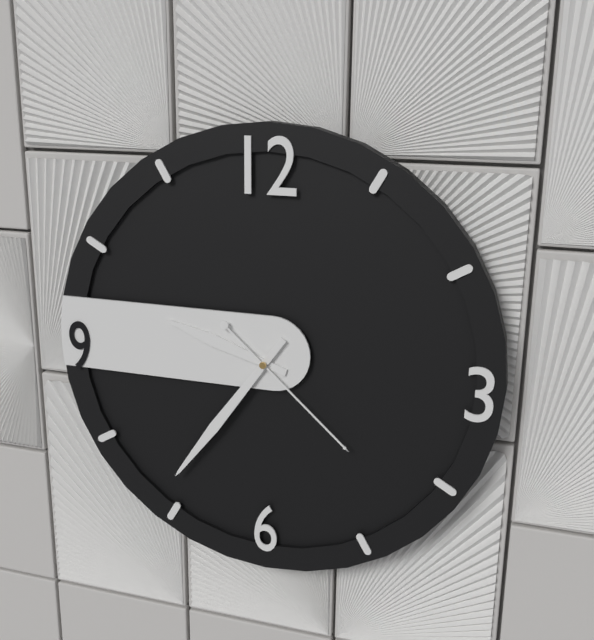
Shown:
9 h 36 min 22 s
